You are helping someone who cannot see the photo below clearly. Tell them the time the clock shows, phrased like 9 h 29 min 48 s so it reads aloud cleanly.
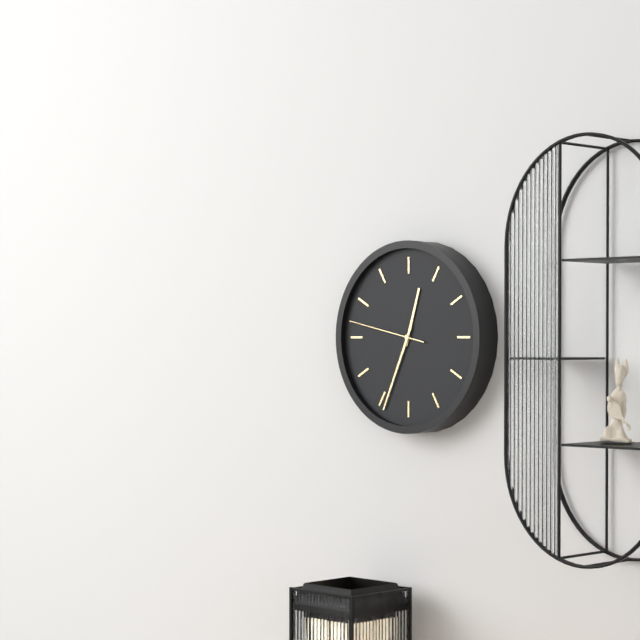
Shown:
12 h 34 min 47 s
